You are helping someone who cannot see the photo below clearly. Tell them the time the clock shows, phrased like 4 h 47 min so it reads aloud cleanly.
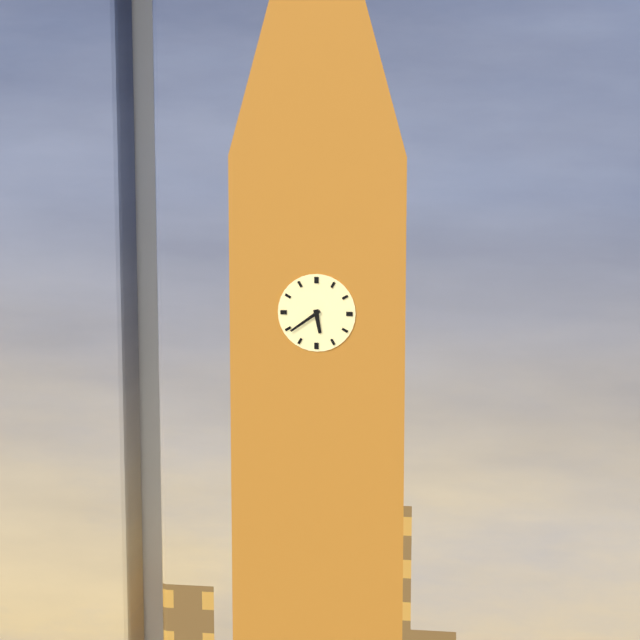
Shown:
5 h 39 min
